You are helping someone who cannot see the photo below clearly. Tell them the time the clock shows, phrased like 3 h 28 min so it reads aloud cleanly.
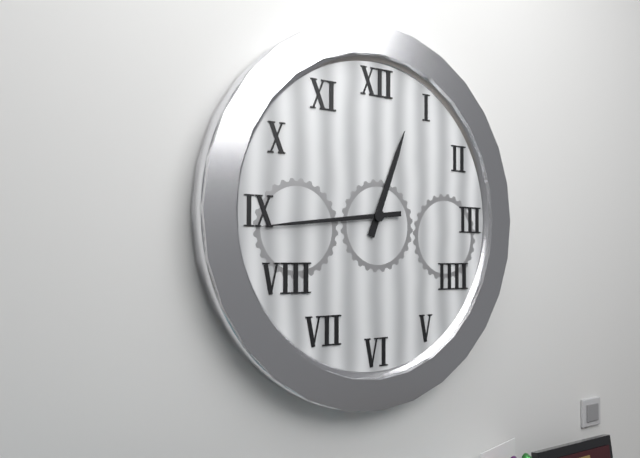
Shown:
12 h 44 min
